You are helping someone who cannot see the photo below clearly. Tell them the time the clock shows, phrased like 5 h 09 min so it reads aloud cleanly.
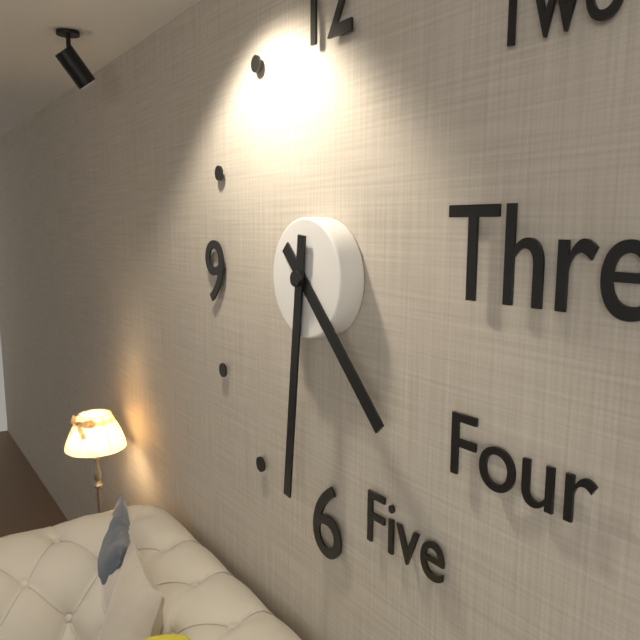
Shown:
4 h 31 min
